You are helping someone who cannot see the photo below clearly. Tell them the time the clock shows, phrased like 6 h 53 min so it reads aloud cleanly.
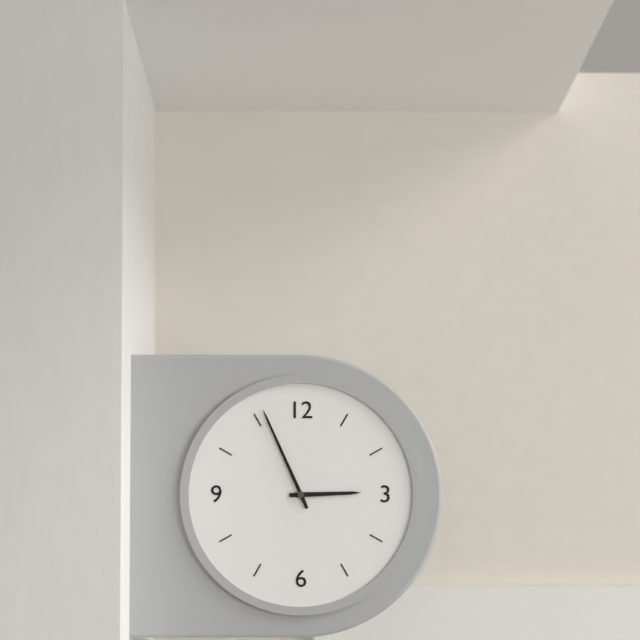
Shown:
2 h 56 min
